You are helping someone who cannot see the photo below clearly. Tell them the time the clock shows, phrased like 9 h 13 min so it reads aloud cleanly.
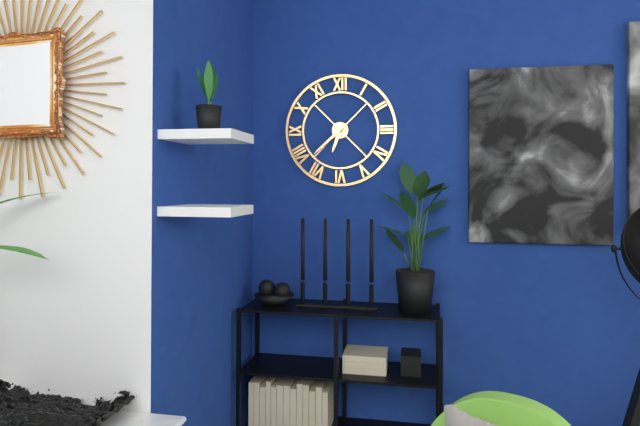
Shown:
6 h 38 min
